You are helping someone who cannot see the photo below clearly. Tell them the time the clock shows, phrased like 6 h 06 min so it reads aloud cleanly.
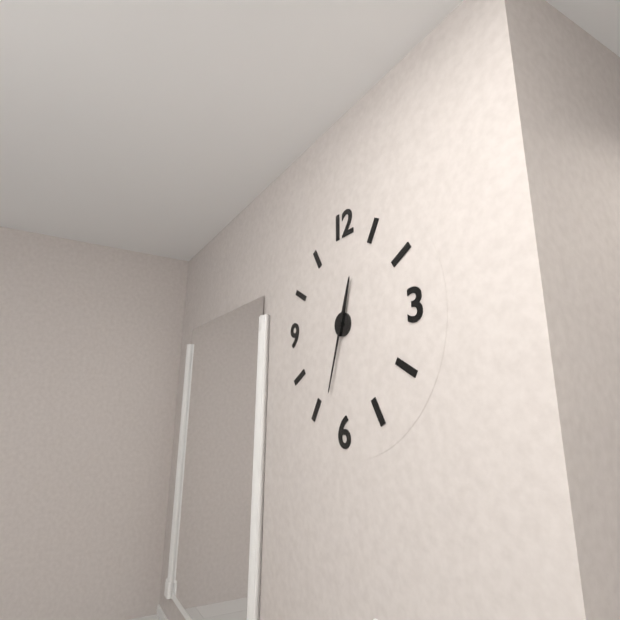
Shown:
12 h 33 min
